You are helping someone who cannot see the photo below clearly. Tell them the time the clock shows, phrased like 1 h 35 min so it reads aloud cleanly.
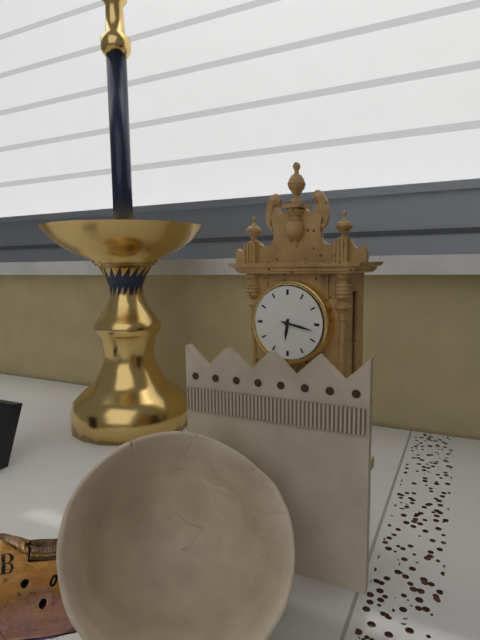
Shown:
6 h 17 min
